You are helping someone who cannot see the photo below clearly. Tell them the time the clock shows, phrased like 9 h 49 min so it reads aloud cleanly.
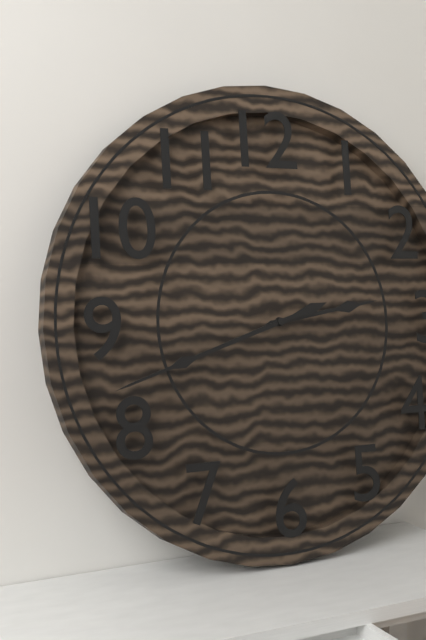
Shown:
2 h 42 min
